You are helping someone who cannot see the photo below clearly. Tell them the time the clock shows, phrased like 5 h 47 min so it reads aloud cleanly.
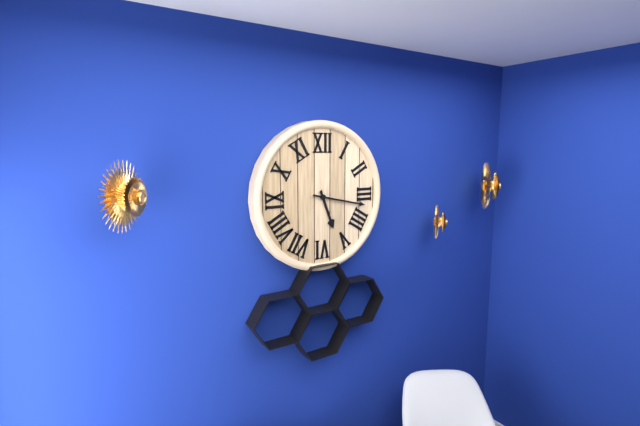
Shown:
5 h 17 min
